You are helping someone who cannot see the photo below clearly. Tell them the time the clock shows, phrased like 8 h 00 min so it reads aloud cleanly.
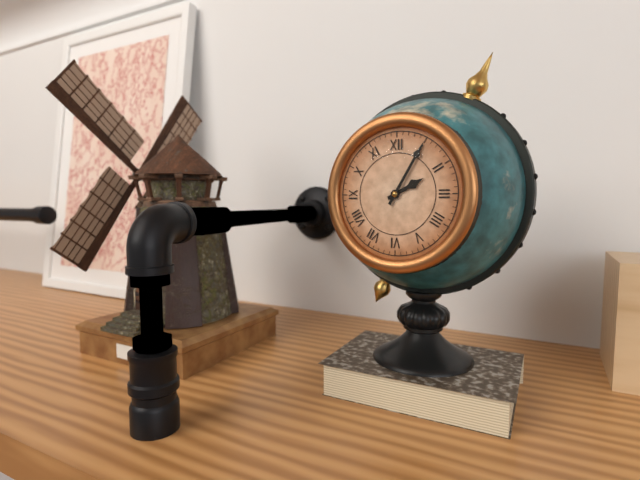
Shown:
2 h 05 min
